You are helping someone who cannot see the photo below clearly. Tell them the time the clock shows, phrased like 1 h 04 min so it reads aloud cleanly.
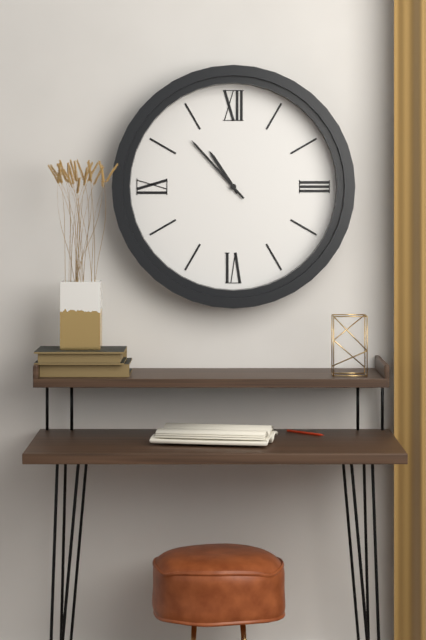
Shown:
10 h 53 min
